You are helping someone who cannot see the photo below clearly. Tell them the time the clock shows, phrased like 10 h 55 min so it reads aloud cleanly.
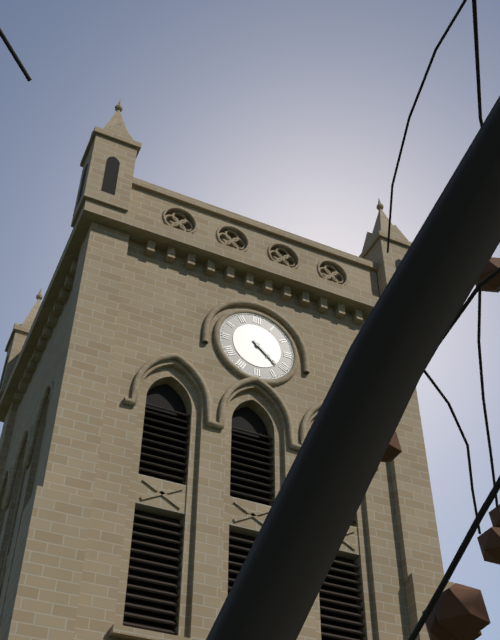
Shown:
4 h 22 min
